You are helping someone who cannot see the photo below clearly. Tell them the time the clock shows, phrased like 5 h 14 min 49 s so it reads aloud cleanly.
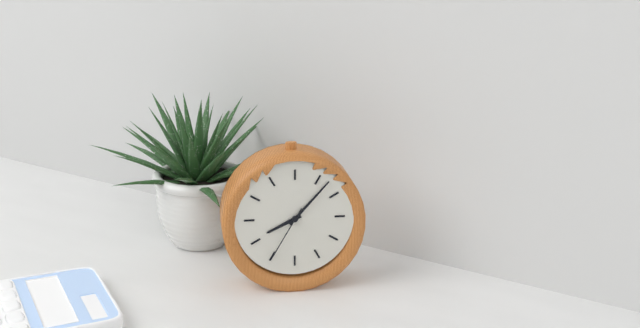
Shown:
8 h 07 min 35 s
